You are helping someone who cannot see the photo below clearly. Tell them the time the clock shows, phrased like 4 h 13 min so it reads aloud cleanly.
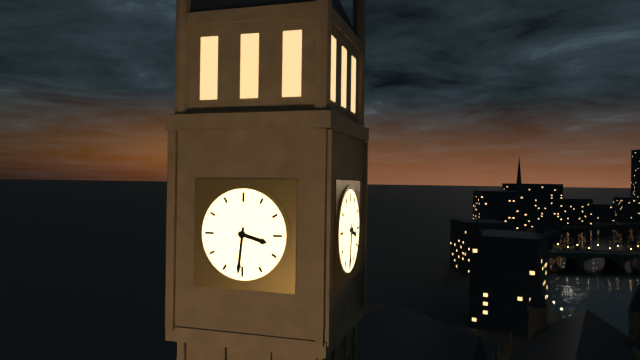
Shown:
3 h 31 min
